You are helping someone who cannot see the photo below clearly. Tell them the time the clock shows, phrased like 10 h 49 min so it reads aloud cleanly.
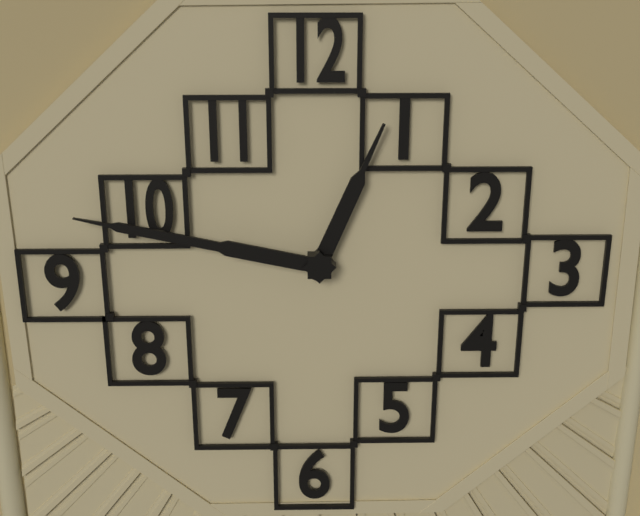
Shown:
12 h 47 min
